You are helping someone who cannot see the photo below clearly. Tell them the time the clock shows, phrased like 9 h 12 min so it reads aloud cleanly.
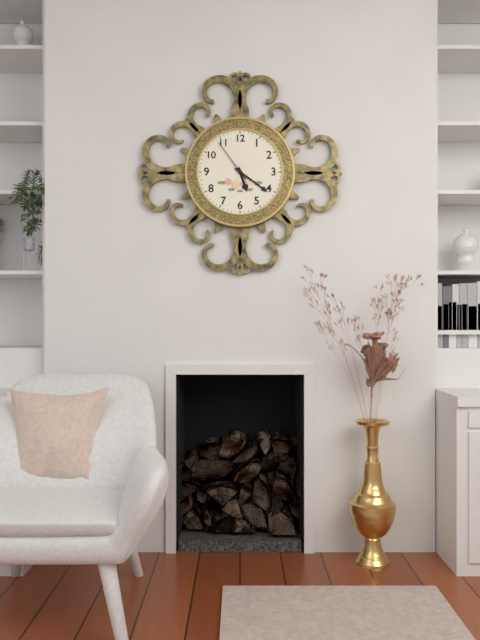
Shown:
5 h 21 min
